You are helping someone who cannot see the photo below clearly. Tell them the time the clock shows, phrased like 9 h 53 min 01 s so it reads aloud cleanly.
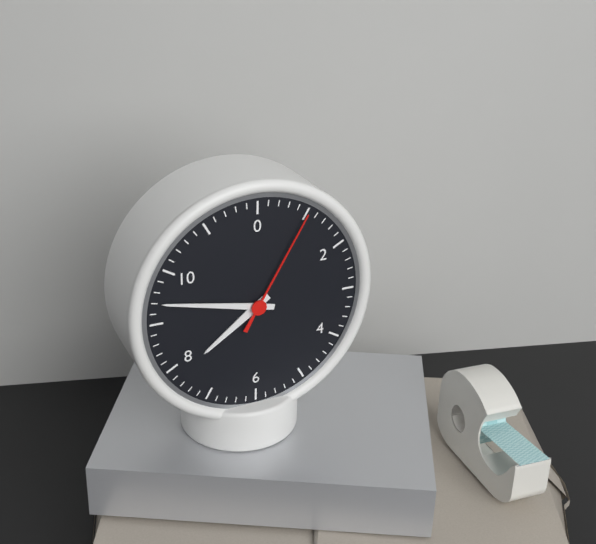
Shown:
7 h 47 min 05 s
